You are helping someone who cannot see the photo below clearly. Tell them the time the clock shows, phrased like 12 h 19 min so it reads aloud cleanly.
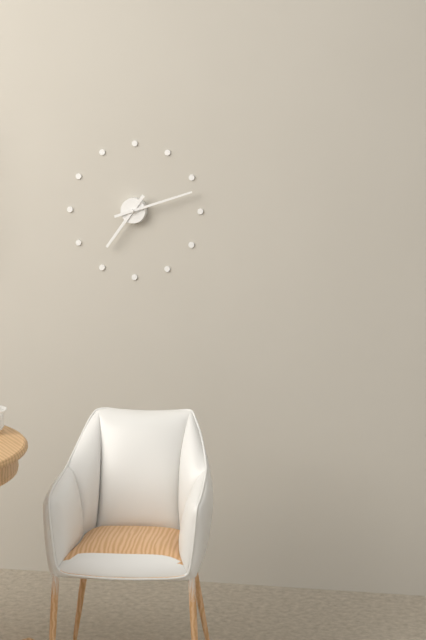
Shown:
7 h 12 min
